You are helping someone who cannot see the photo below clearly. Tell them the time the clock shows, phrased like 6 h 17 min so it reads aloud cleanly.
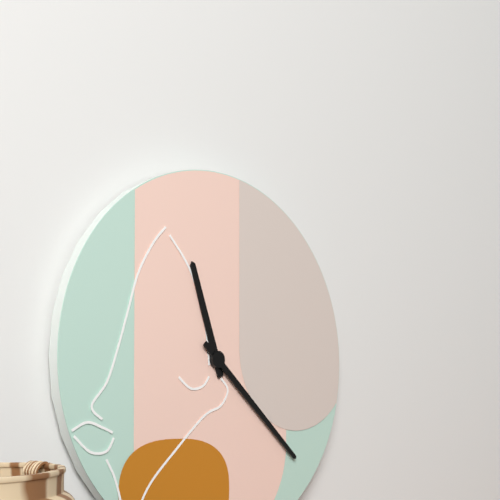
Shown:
11 h 22 min
